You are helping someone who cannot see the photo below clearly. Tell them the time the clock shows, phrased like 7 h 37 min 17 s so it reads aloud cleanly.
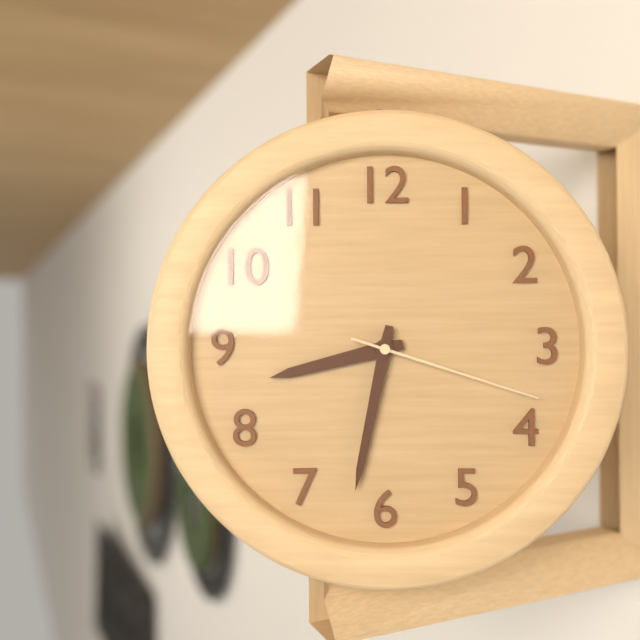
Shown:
8 h 32 min 18 s
